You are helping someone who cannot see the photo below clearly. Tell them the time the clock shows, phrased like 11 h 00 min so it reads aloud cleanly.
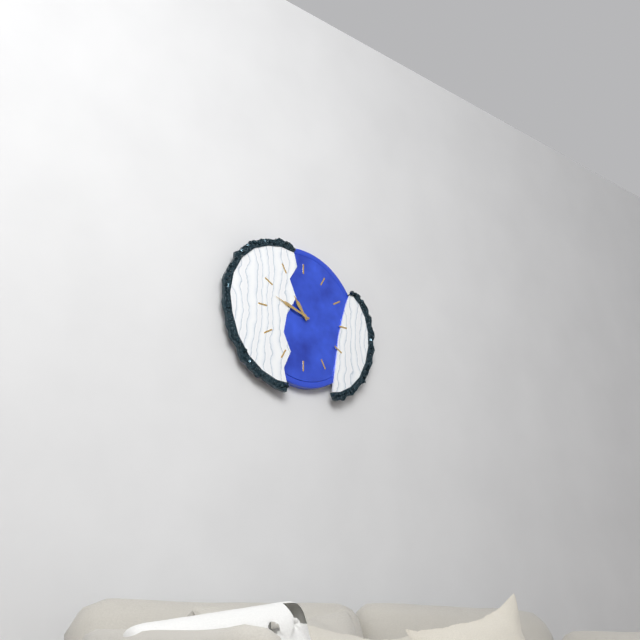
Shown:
10 h 48 min
